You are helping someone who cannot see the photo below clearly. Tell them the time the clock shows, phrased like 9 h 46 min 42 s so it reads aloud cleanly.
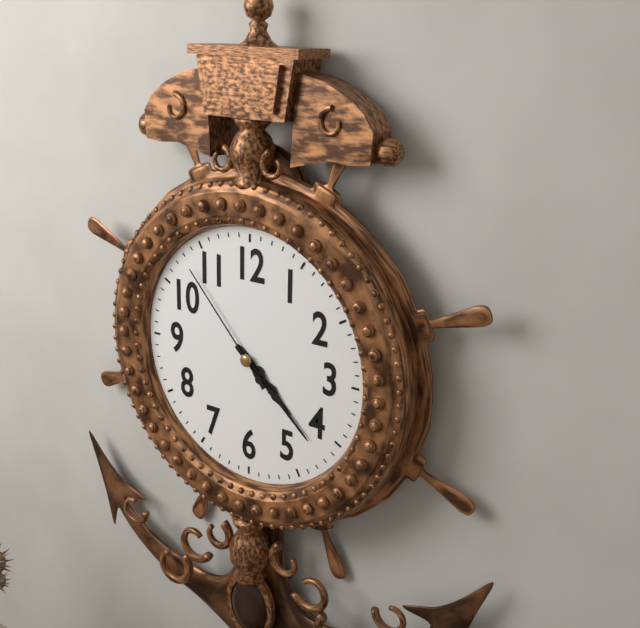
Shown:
4 h 22 min 53 s
